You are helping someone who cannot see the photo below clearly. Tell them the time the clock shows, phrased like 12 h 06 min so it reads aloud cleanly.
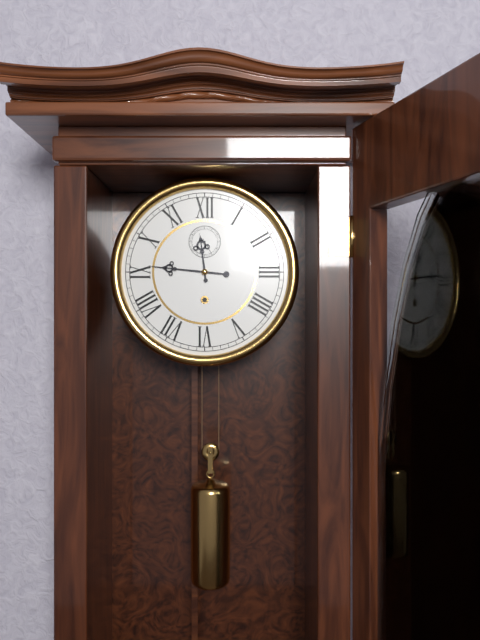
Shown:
11 h 46 min
